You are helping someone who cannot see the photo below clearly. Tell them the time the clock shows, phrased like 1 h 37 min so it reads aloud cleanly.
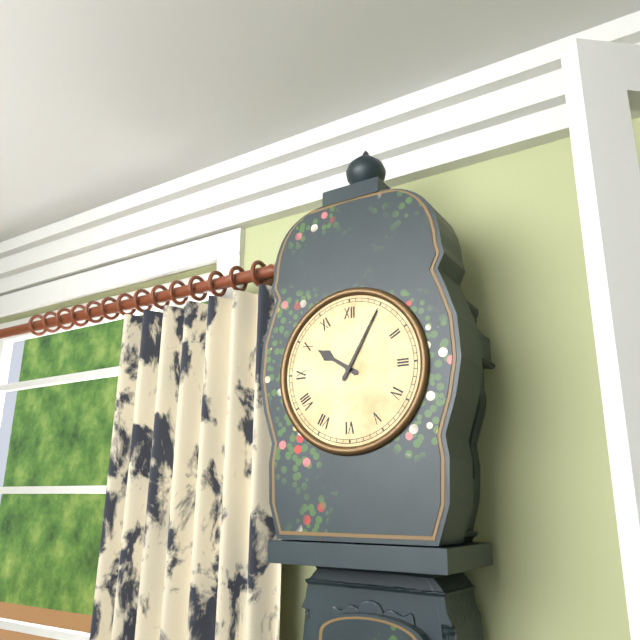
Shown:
10 h 05 min
